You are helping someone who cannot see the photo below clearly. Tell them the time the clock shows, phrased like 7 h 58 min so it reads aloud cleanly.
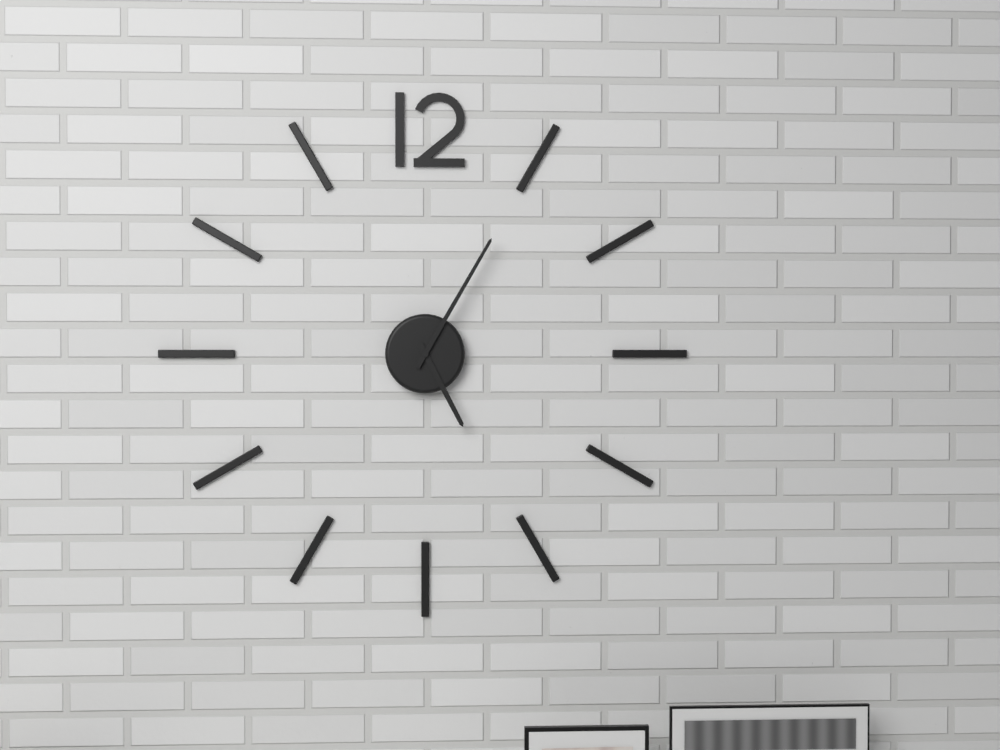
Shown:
5 h 05 min
